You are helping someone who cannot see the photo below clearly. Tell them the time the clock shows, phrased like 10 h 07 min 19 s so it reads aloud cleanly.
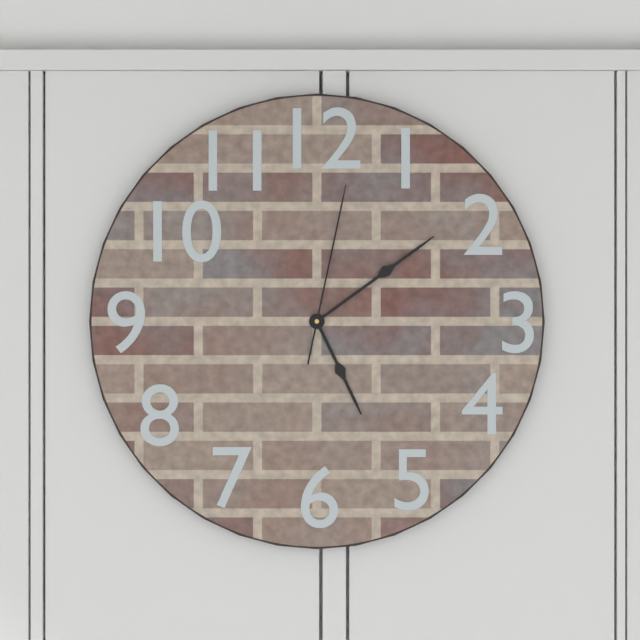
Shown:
5 h 09 min 02 s
